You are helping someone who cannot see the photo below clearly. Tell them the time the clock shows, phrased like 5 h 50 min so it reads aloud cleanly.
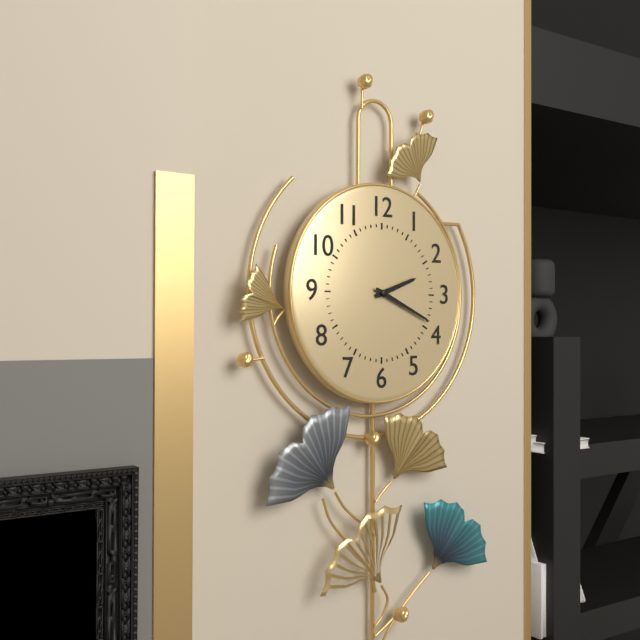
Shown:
2 h 19 min
